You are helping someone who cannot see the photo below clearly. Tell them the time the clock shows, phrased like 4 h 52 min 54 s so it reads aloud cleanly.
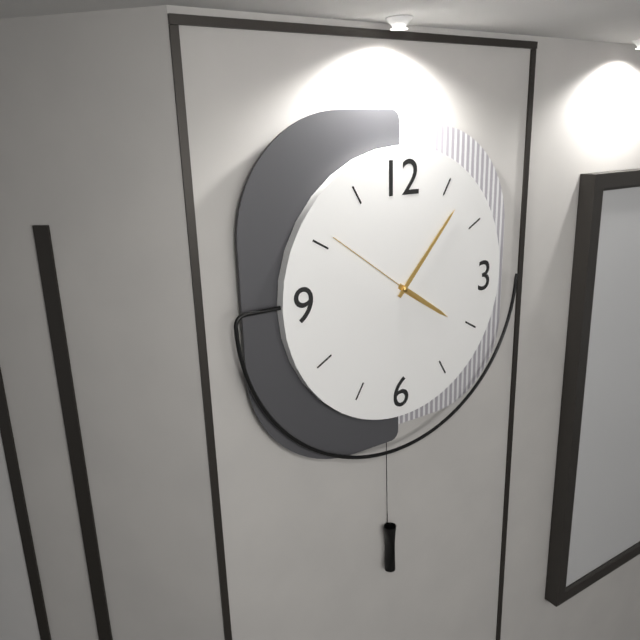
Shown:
4 h 07 min 51 s
